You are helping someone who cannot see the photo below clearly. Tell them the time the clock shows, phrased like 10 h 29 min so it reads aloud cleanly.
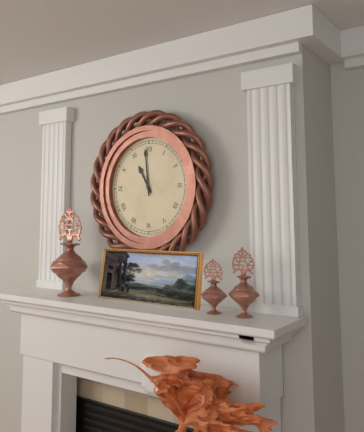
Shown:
10 h 59 min
